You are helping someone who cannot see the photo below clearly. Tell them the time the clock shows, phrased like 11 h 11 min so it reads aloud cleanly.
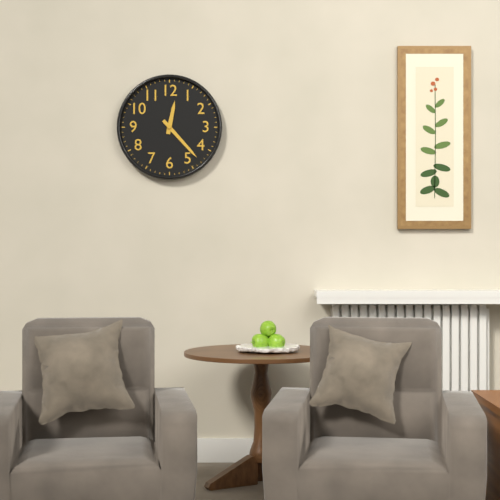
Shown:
12 h 23 min
